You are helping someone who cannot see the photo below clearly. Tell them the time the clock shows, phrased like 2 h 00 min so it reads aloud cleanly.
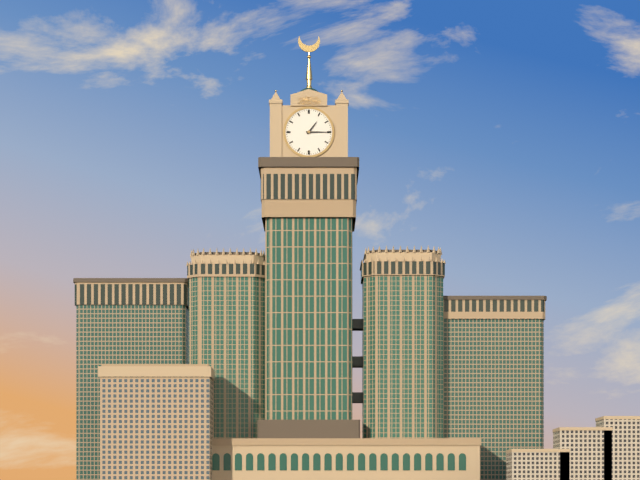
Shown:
1 h 15 min
